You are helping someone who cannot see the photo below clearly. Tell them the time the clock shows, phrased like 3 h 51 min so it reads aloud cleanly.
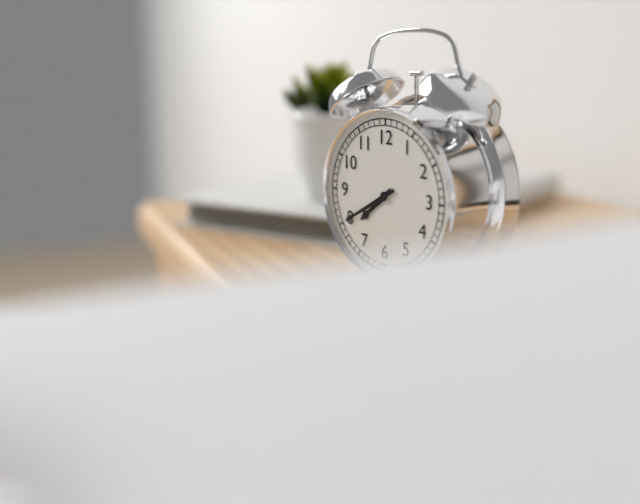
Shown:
7 h 40 min
